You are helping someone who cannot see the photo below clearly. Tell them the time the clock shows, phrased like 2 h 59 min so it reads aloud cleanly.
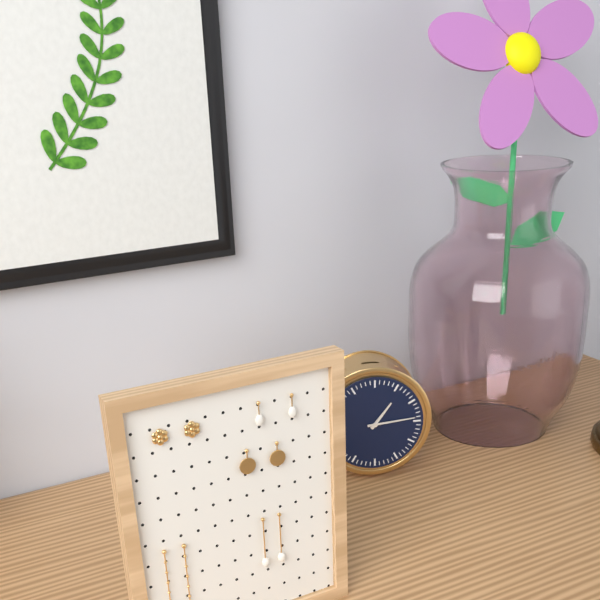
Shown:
1 h 14 min
